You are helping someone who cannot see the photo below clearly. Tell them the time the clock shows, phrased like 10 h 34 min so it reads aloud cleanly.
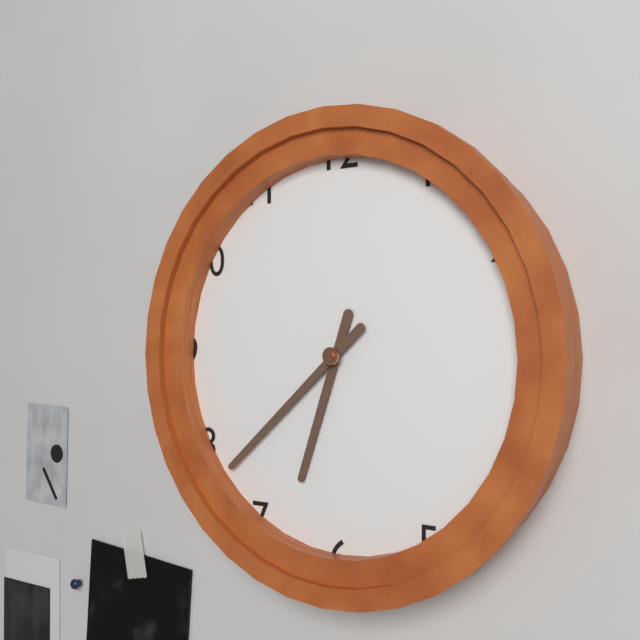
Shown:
6 h 38 min
